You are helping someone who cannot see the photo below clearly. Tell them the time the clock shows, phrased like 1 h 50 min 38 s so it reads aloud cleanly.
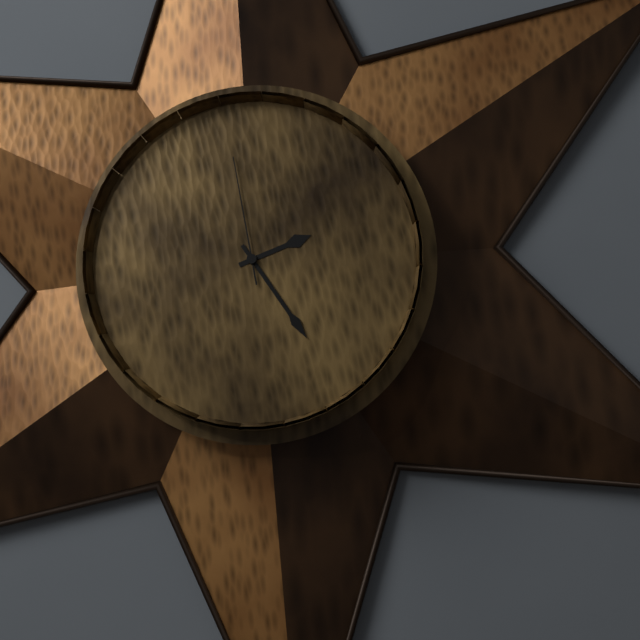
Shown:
2 h 25 min 59 s
